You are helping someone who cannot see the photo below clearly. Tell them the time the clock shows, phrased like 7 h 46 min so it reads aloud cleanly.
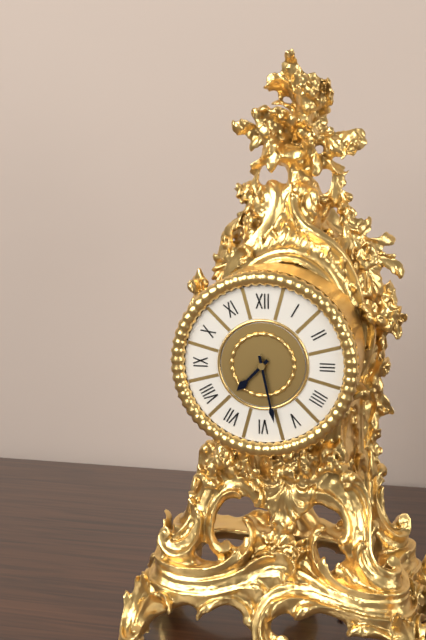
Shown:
7 h 28 min
